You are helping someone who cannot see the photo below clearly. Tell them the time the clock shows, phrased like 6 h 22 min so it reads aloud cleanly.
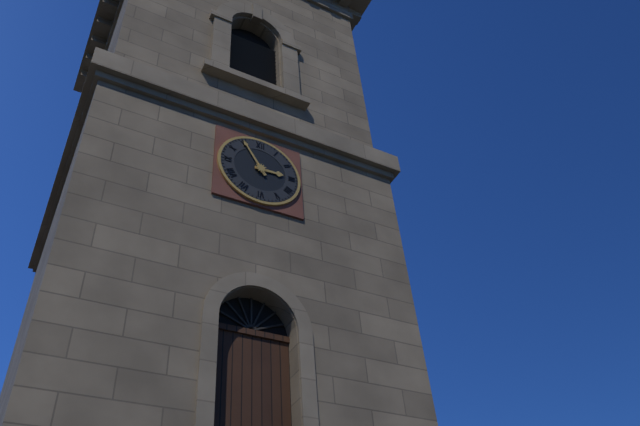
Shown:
2 h 55 min
